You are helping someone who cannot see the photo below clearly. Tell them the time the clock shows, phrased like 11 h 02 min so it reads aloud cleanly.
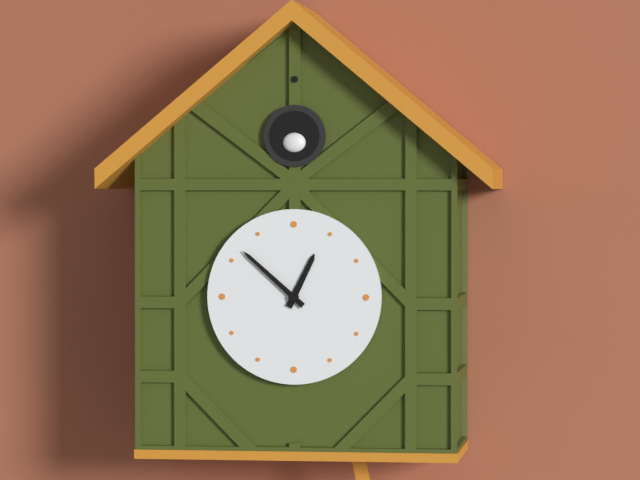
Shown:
12 h 52 min
